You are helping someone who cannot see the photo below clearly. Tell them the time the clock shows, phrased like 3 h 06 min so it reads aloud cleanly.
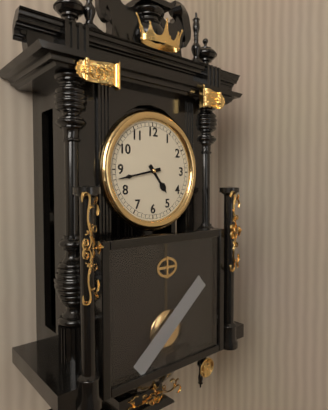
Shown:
4 h 43 min
